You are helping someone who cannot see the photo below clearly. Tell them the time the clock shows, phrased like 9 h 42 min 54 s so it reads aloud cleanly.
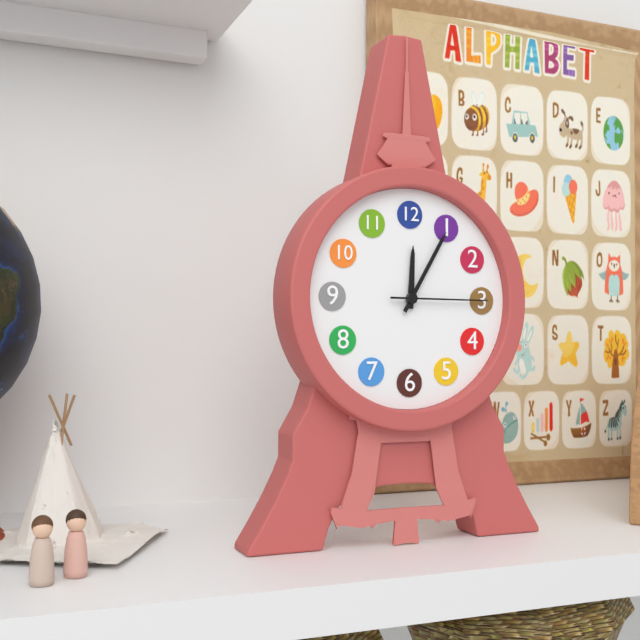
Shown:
12 h 05 min 15 s
